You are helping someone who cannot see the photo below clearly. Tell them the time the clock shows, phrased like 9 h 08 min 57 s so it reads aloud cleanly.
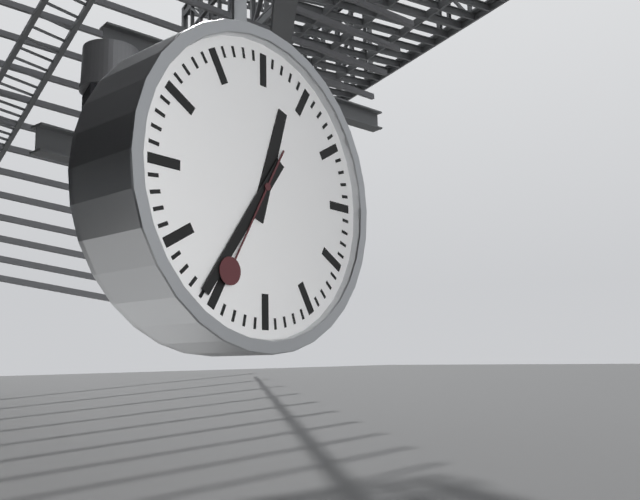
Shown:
12 h 36 min 35 s
